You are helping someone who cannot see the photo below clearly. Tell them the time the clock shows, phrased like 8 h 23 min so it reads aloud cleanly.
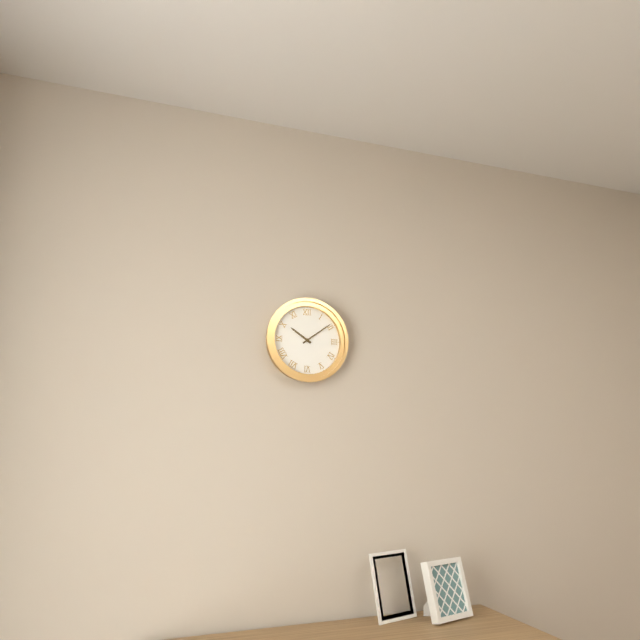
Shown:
10 h 09 min
